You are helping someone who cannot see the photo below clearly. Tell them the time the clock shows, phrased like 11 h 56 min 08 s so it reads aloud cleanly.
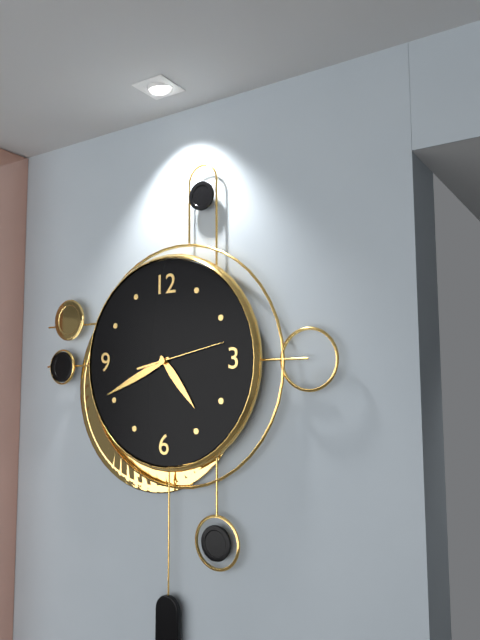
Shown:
4 h 41 min 13 s
